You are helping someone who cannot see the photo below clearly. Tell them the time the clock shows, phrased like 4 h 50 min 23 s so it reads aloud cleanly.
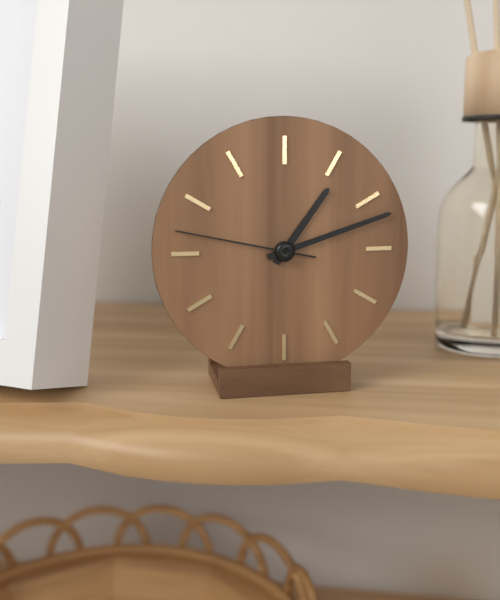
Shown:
1 h 12 min 47 s
